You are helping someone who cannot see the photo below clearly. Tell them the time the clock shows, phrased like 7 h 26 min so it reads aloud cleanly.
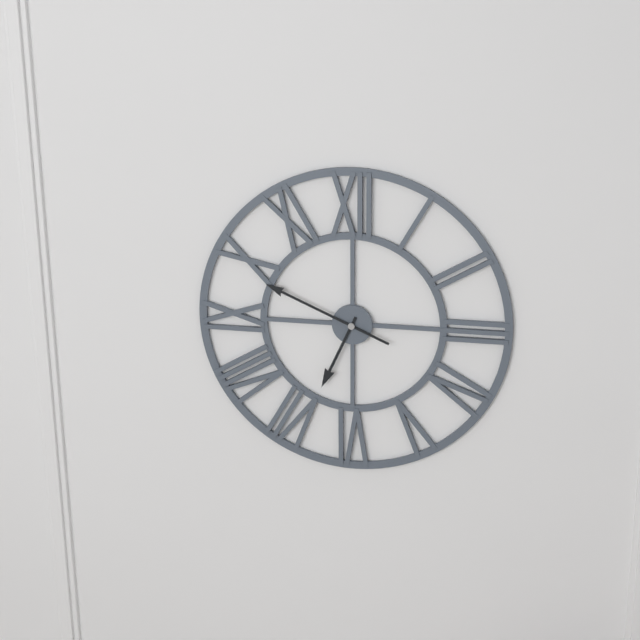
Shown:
6 h 49 min
